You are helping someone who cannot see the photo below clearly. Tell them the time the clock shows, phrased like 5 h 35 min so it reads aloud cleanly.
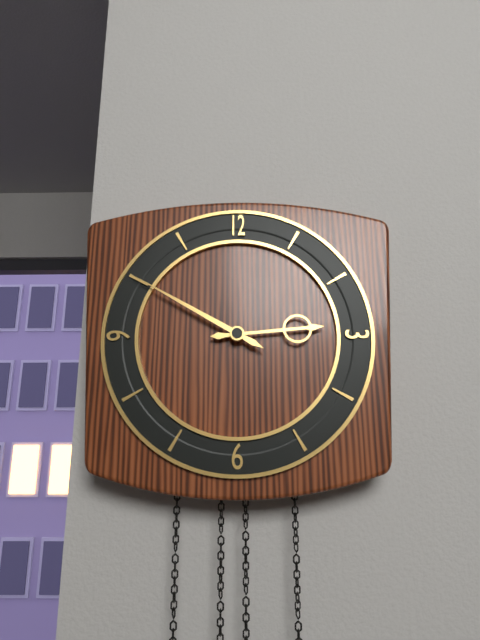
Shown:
2 h 50 min
